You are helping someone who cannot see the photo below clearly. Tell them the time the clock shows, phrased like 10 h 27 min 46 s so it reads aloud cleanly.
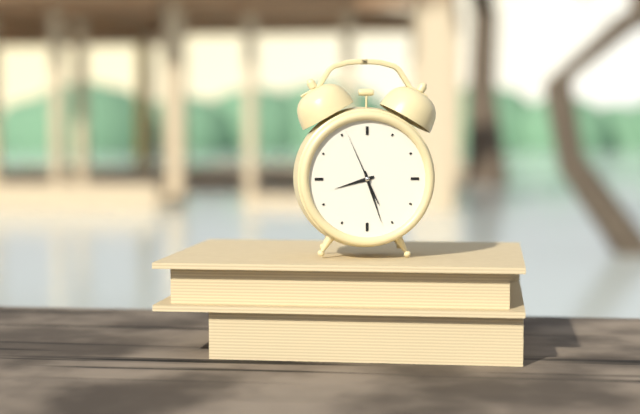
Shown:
8 h 27 min 56 s
